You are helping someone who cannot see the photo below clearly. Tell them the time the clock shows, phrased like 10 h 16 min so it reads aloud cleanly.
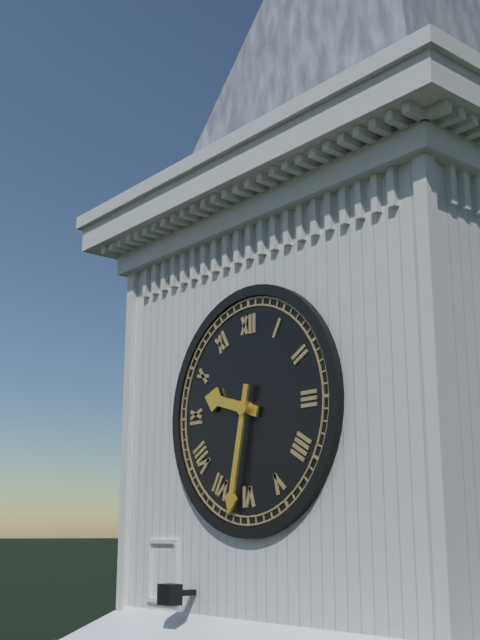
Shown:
9 h 32 min
